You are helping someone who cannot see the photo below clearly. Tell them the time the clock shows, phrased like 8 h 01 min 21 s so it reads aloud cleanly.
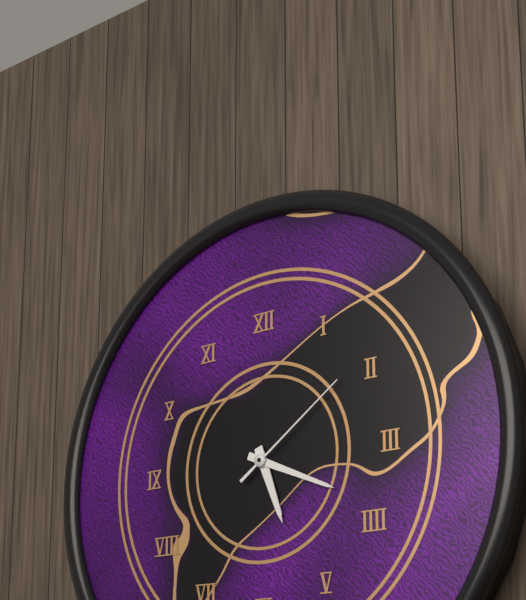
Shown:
5 h 19 min 09 s
